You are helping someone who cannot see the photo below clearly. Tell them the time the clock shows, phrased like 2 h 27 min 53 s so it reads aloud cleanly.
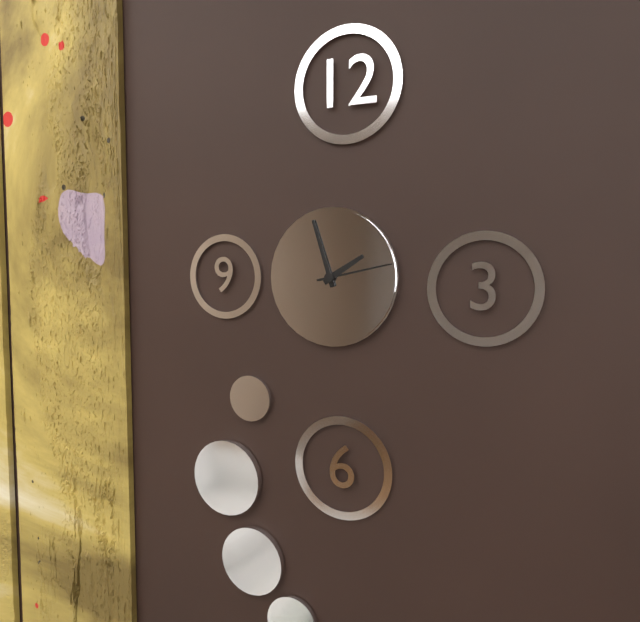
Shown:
1 h 57 min 13 s
